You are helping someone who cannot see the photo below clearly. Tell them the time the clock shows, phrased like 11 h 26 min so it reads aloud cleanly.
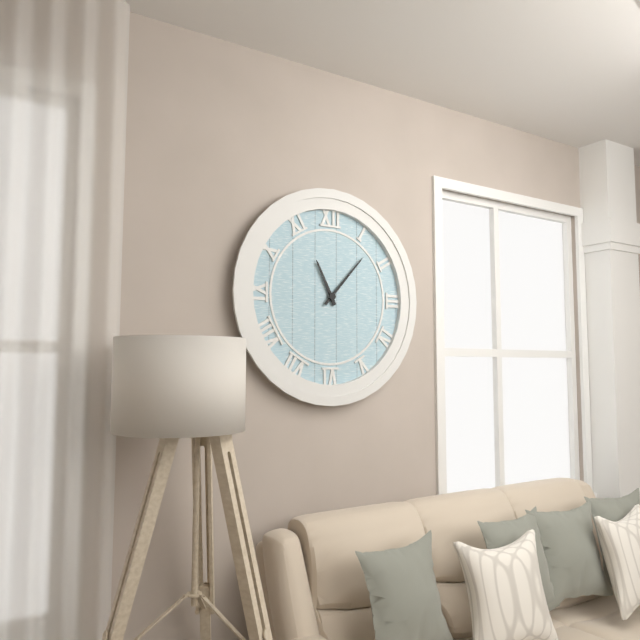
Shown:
11 h 07 min
